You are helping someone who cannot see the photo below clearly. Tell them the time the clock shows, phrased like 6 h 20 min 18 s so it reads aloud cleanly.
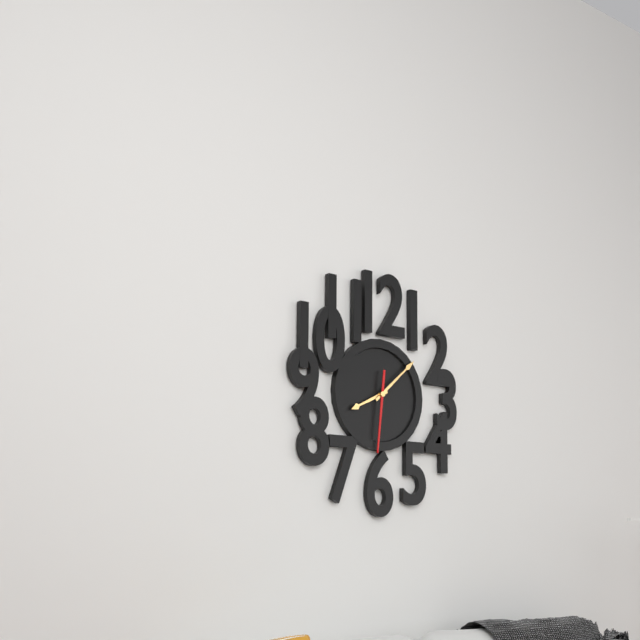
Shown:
8 h 08 min 31 s
